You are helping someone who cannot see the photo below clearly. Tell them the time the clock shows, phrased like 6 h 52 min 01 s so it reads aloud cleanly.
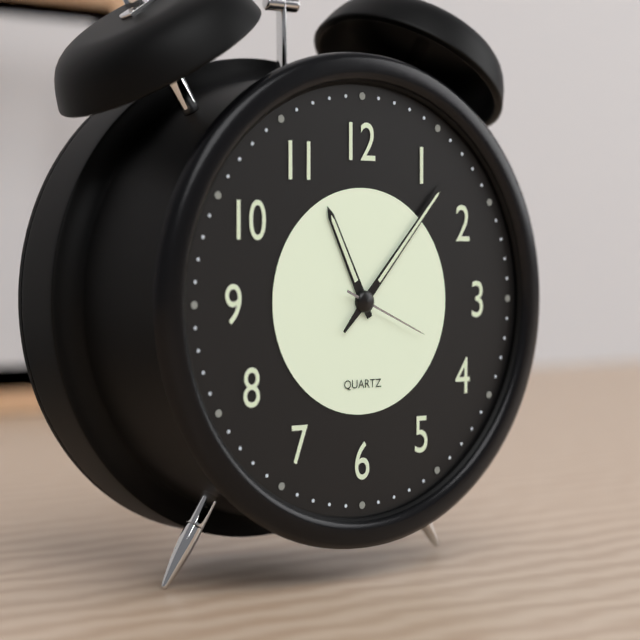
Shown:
11 h 07 min 19 s
